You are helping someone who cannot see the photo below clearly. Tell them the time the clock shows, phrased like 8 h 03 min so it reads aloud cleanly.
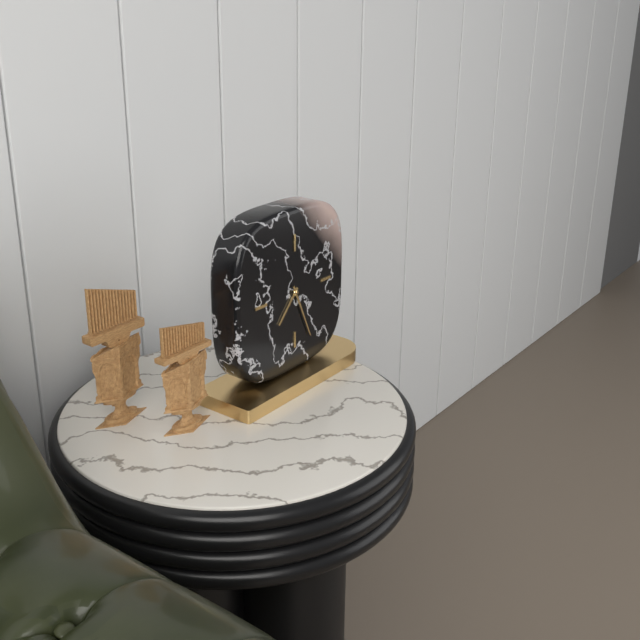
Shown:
7 h 26 min
